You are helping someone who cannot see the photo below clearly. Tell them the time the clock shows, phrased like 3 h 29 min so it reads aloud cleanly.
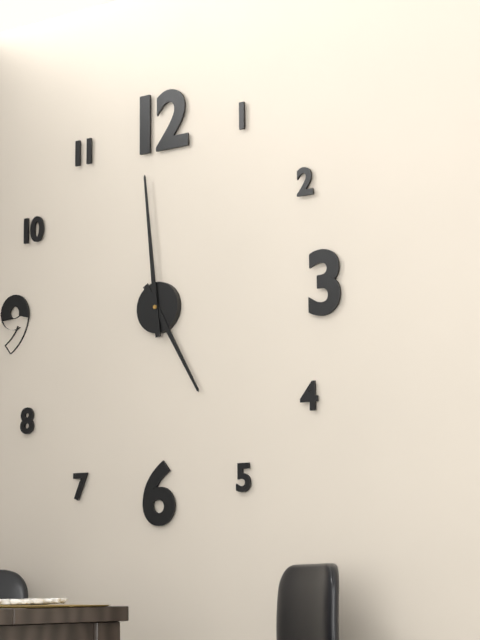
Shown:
4 h 59 min
